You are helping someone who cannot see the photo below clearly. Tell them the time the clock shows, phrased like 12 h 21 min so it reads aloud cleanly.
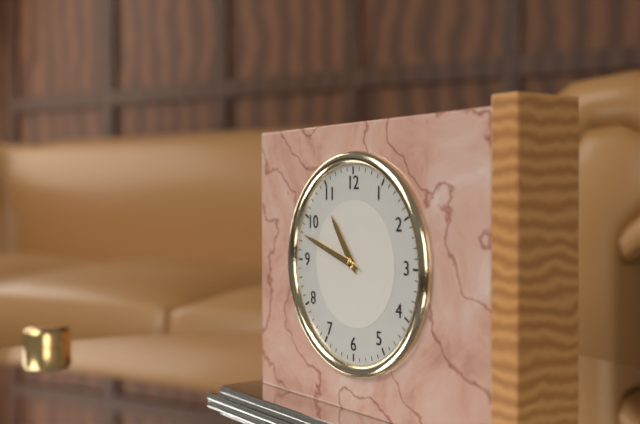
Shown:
10 h 48 min
